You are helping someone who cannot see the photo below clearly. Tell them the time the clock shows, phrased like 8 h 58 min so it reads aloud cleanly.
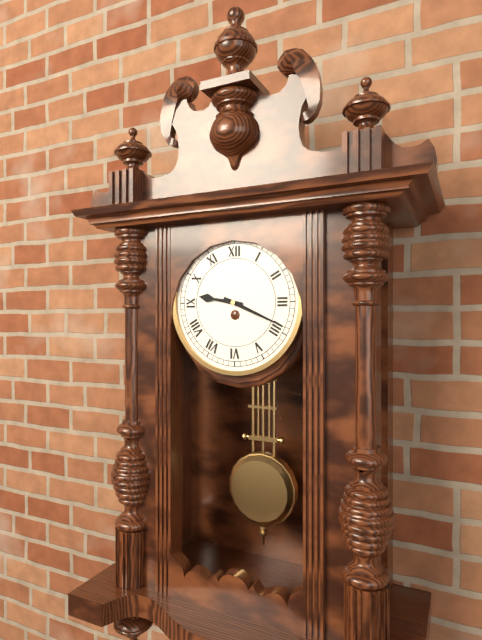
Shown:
9 h 19 min
